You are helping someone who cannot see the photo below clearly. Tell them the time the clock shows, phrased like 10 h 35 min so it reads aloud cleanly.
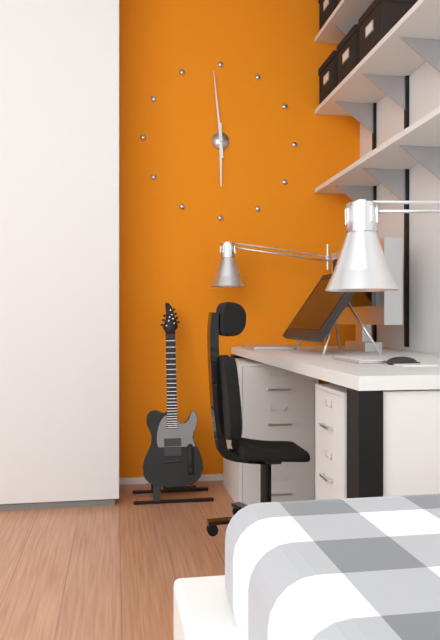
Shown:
5 h 59 min
